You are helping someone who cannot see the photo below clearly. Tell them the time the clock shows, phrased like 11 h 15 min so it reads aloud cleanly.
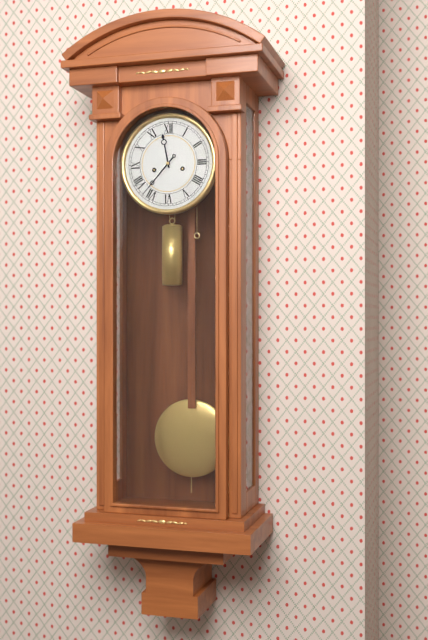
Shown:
11 h 37 min
